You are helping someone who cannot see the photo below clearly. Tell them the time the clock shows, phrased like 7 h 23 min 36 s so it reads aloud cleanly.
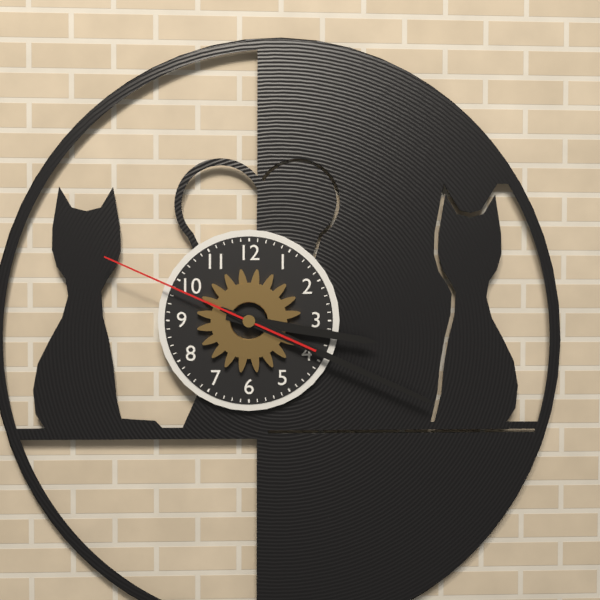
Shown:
3 h 19 min 49 s
